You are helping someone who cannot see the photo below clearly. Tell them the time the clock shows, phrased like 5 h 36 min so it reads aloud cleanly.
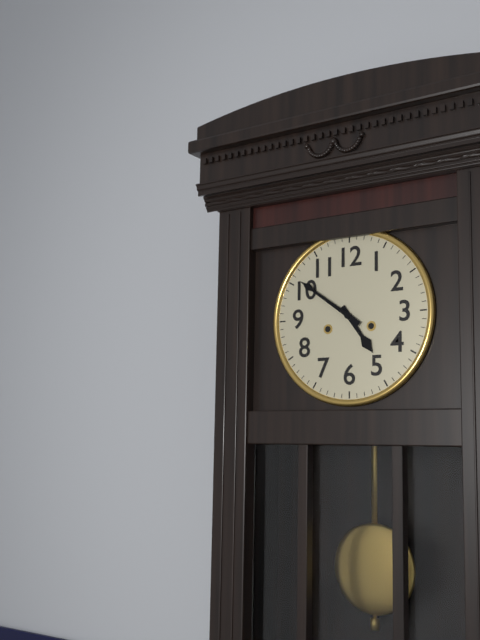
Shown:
4 h 51 min
